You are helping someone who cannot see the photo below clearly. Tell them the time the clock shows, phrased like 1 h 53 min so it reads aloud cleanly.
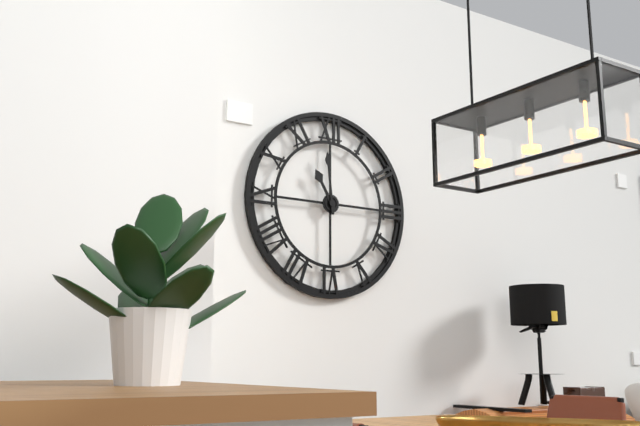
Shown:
10 h 59 min
